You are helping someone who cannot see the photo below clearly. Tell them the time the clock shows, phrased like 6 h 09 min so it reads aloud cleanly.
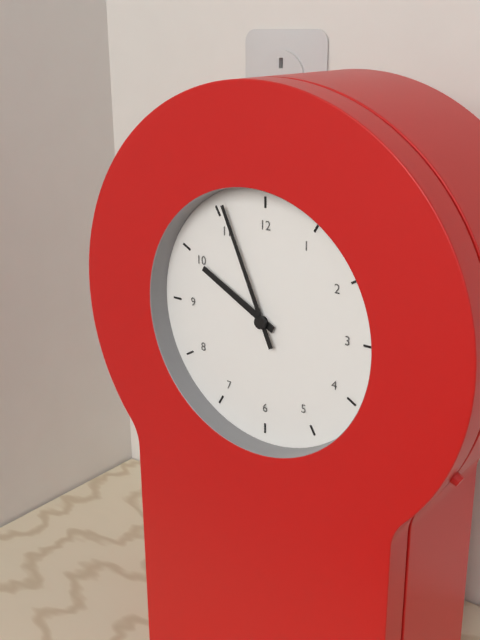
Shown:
9 h 56 min
